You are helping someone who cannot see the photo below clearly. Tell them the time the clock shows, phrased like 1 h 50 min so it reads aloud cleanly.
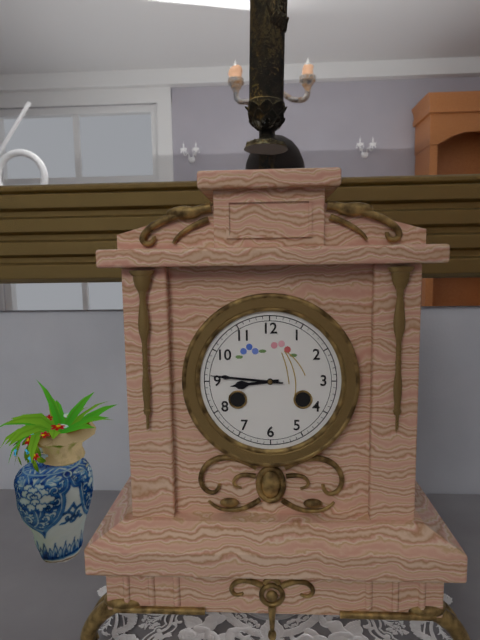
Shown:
8 h 46 min
